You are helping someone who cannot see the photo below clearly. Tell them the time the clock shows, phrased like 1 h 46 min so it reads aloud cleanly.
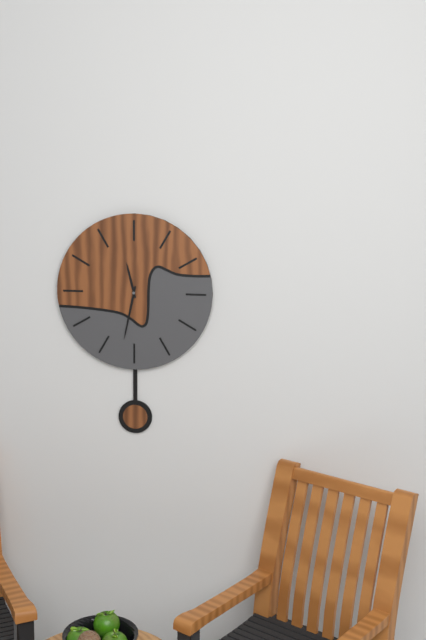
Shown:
11 h 32 min
